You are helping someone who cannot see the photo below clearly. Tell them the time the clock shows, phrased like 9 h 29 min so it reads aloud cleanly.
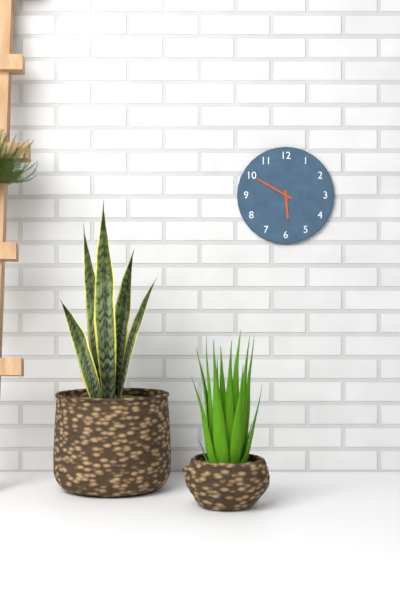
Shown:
5 h 50 min
